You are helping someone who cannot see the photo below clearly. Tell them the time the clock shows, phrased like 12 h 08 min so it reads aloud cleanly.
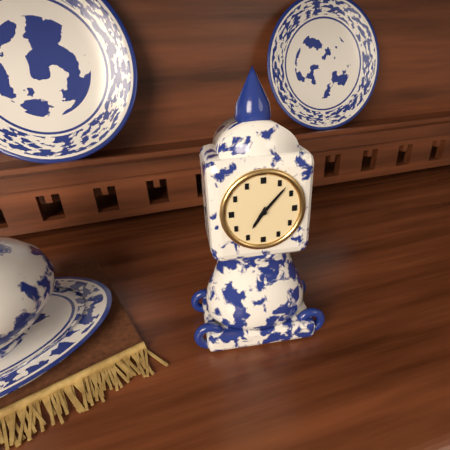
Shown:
7 h 07 min
